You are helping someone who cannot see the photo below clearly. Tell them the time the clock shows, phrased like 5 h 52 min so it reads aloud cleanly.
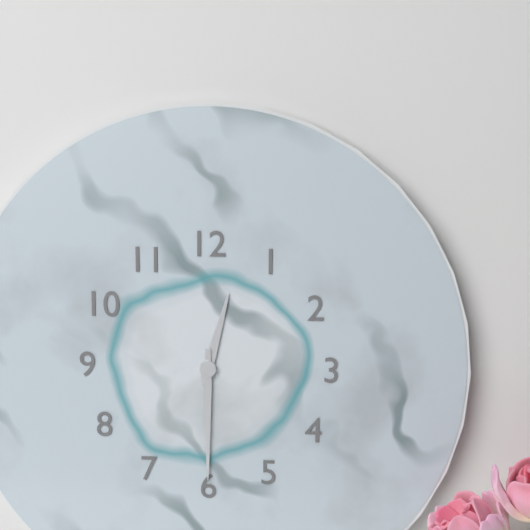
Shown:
12 h 30 min
